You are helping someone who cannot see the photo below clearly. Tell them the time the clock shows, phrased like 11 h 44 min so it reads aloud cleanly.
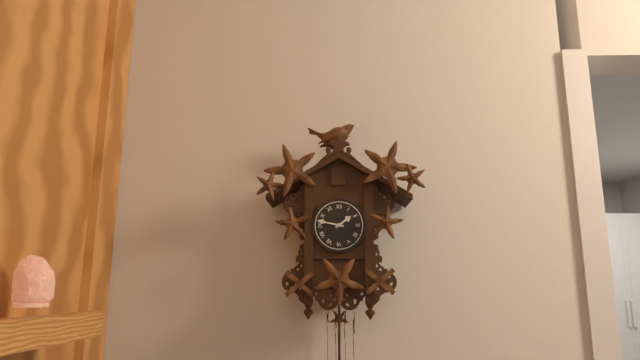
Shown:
1 h 47 min
